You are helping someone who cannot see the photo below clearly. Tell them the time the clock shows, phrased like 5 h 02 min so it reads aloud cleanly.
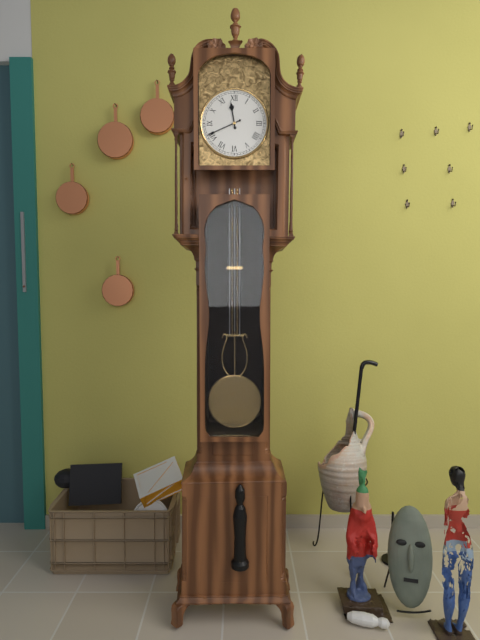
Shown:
11 h 41 min
